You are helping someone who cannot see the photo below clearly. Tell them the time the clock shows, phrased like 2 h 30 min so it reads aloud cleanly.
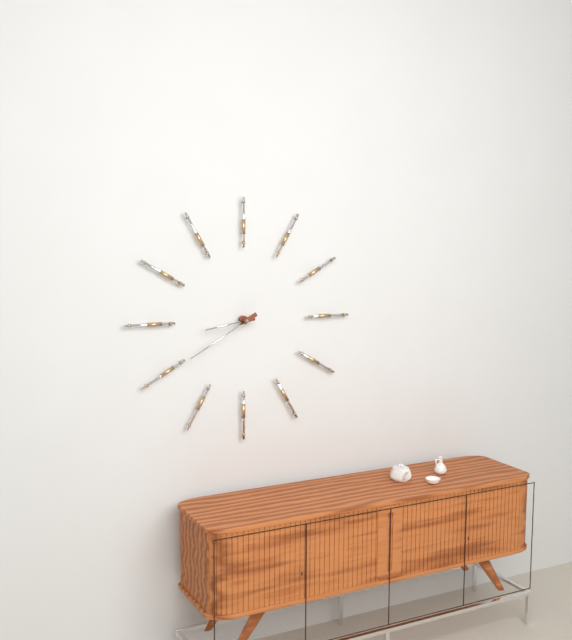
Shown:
8 h 40 min
